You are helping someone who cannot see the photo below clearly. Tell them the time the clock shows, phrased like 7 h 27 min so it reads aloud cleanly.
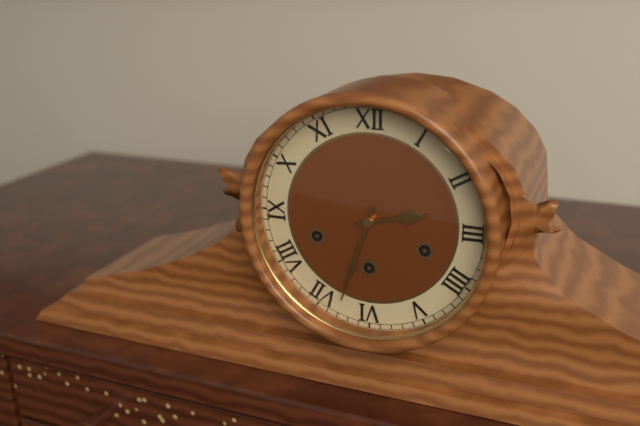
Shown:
2 h 33 min
